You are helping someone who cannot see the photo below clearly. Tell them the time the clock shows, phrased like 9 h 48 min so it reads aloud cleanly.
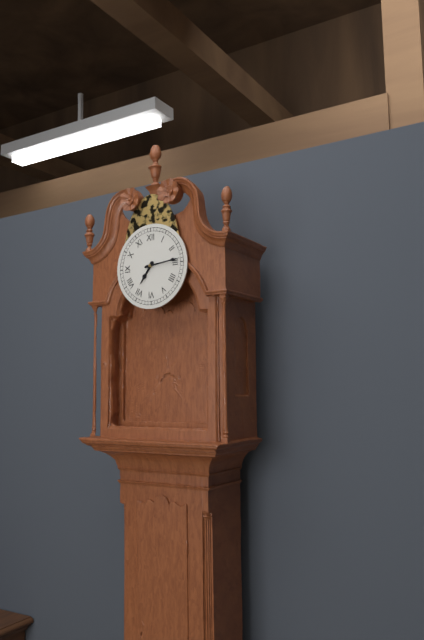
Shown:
7 h 14 min
